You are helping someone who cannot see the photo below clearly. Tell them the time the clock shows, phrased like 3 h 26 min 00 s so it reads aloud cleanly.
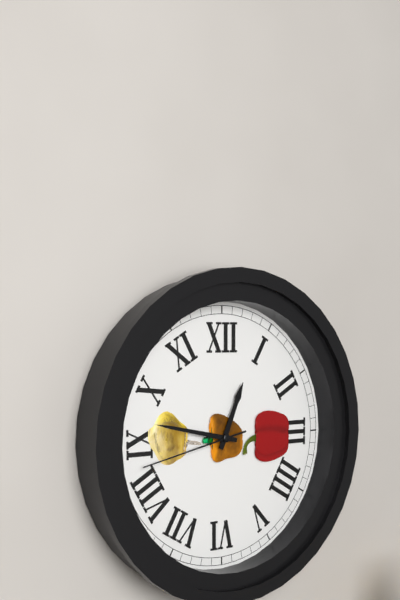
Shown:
12 h 47 min 43 s
